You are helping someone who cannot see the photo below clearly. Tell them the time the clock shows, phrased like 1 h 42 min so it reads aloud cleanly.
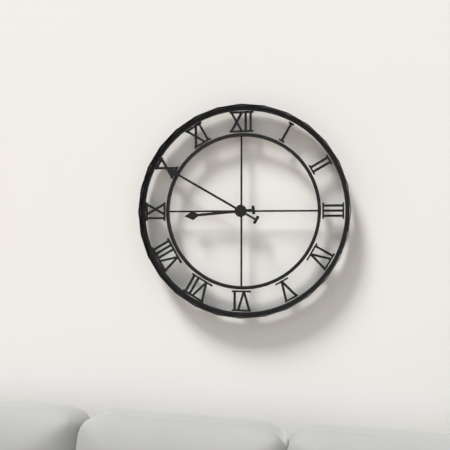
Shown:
8 h 50 min
